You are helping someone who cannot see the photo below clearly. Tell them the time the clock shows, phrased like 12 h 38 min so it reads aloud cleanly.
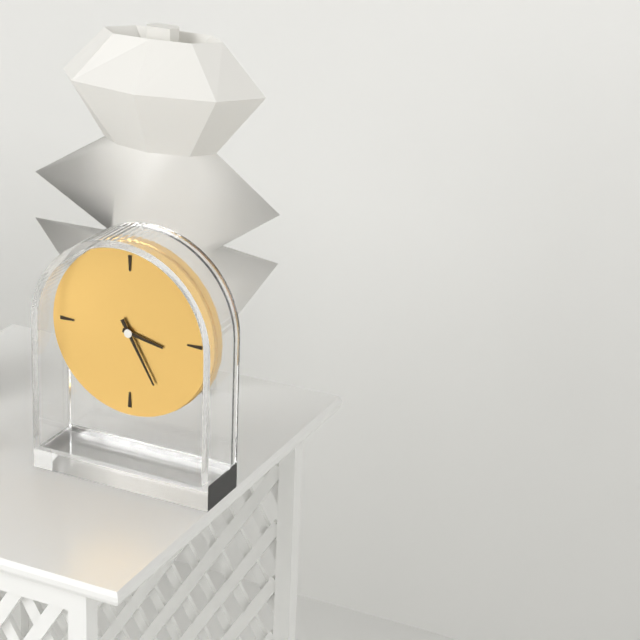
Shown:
3 h 25 min
